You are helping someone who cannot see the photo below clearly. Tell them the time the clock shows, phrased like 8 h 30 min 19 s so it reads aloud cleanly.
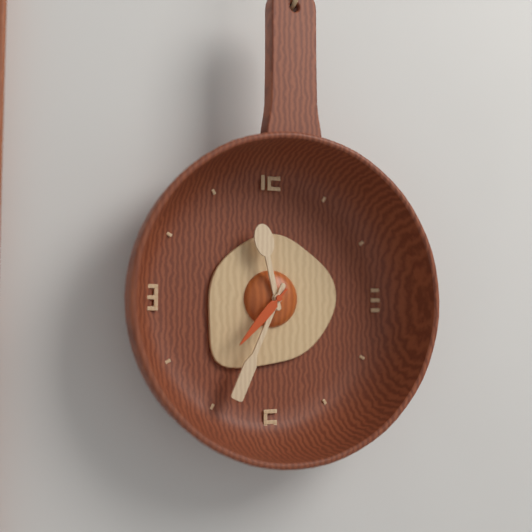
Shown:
11 h 34 min 37 s
